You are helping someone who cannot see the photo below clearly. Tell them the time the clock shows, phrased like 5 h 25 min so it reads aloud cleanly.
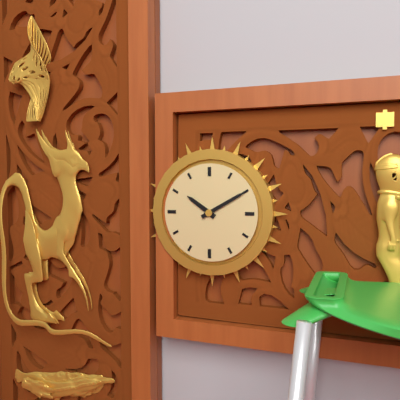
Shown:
10 h 10 min
